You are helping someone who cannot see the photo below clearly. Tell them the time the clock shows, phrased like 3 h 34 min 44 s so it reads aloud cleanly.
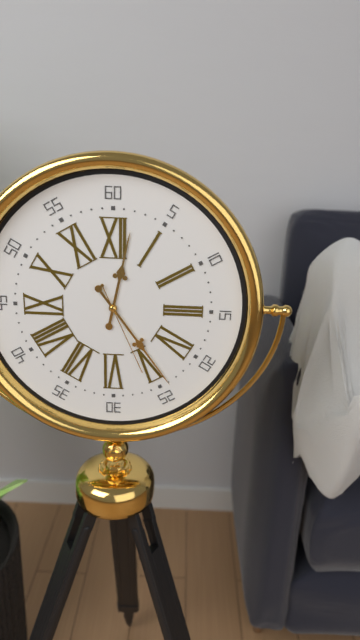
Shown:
12 h 24 min 26 s
